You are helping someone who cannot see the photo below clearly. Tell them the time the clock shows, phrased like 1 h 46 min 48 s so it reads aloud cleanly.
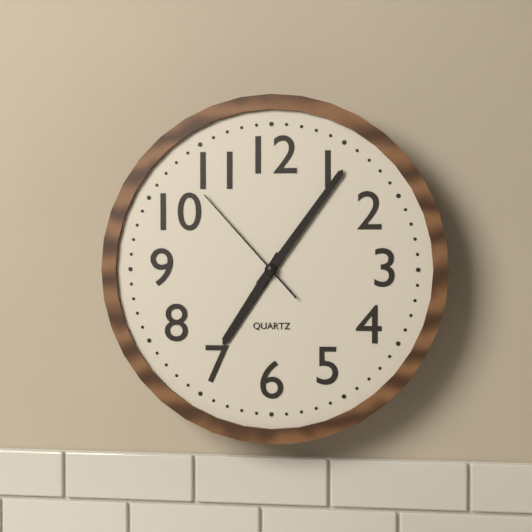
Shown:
7 h 06 min 53 s
